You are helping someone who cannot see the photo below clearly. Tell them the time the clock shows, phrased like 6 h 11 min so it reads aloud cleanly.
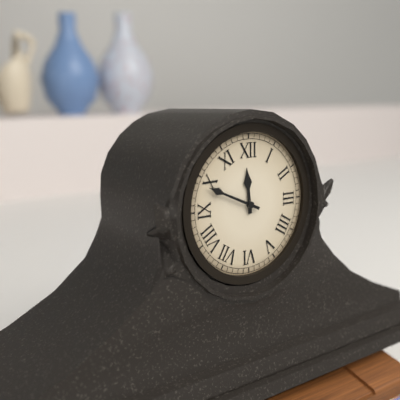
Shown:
11 h 49 min
